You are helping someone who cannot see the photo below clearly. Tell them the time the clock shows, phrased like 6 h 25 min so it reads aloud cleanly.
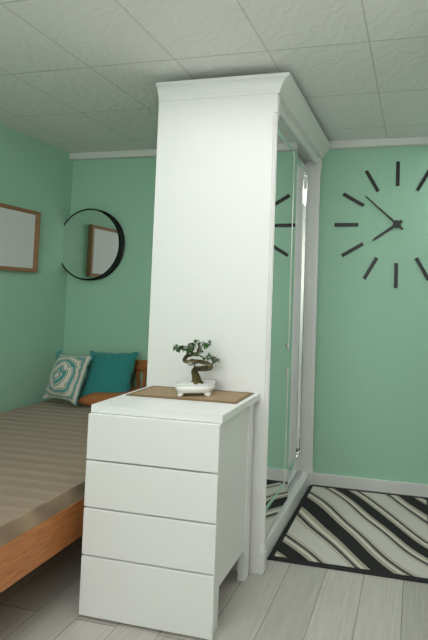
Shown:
7 h 52 min
